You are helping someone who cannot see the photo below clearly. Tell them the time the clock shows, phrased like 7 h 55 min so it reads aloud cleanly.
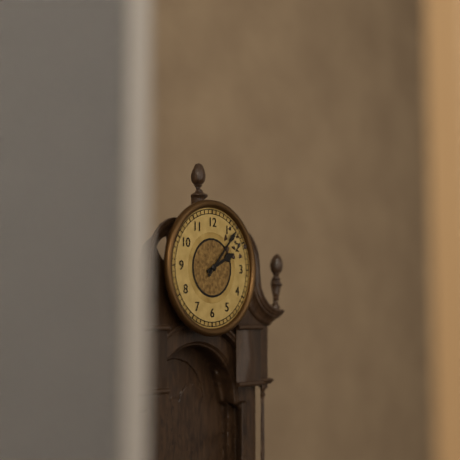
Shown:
2 h 07 min
